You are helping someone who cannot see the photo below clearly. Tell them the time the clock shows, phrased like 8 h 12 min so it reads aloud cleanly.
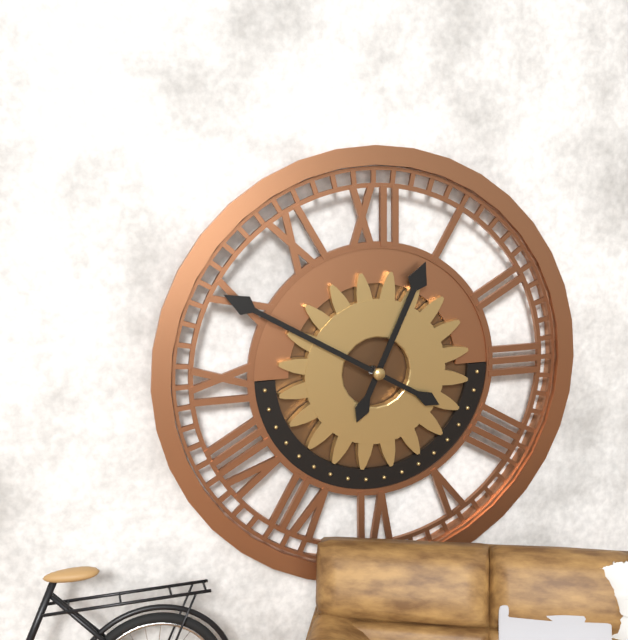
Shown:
12 h 50 min
